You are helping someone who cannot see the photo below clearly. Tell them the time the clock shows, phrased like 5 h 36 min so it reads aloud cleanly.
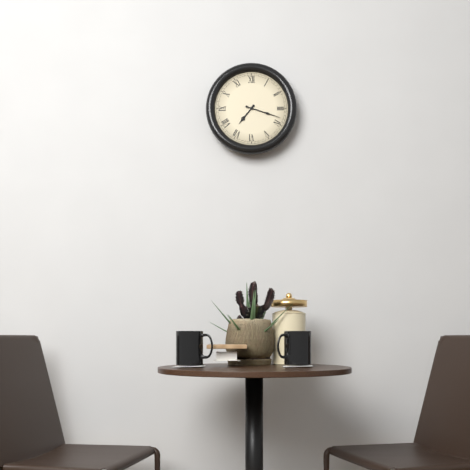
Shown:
7 h 18 min
